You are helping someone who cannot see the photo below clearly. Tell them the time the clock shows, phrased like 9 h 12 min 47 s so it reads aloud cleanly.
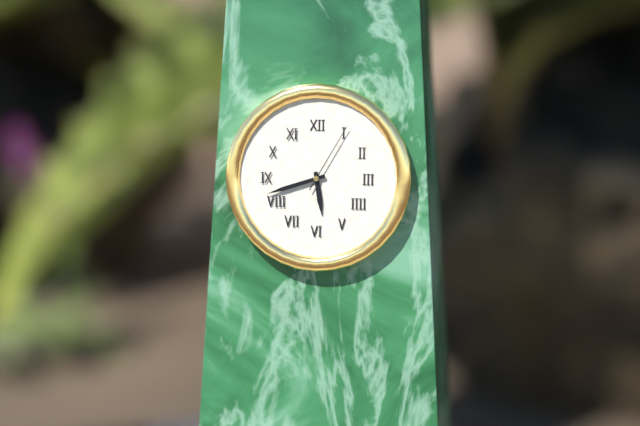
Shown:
5 h 42 min 05 s
